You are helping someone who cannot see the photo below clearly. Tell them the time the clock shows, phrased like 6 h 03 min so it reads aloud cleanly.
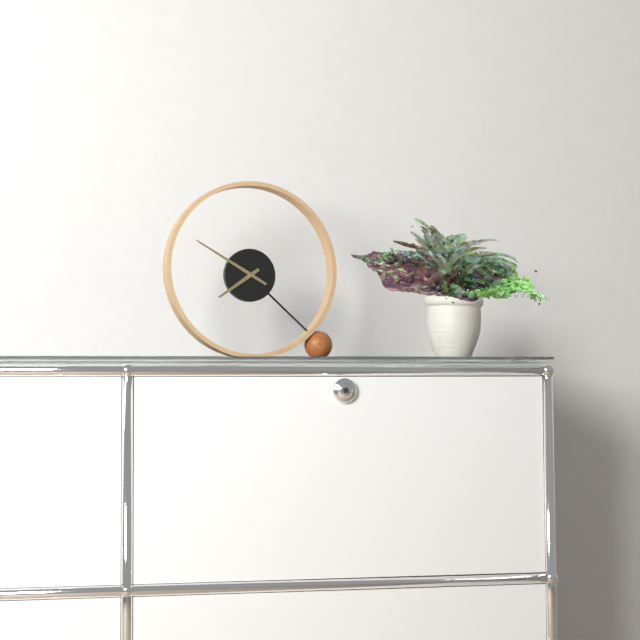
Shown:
7 h 50 min
